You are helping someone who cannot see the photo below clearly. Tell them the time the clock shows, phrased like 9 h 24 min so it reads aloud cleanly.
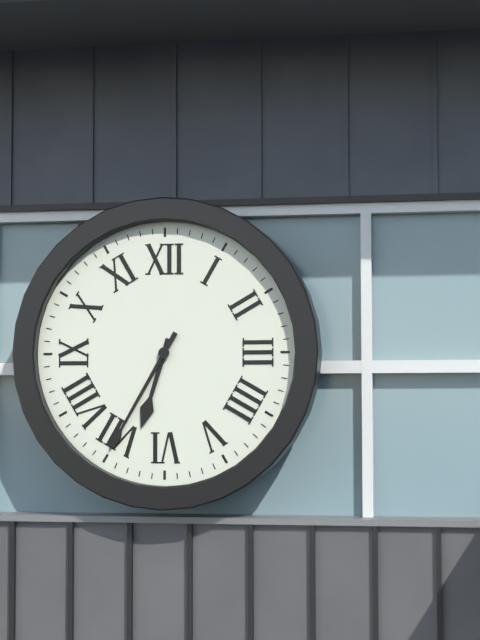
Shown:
6 h 35 min
